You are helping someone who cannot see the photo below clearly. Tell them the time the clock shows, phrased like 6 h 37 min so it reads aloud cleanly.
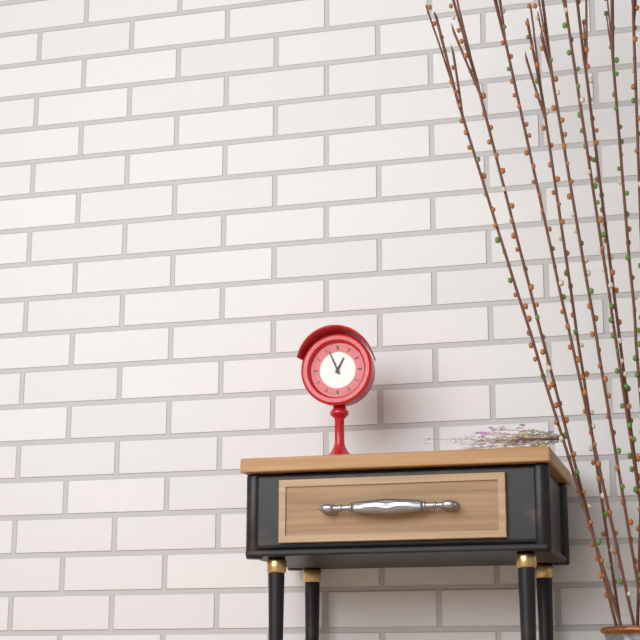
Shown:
12 h 56 min
